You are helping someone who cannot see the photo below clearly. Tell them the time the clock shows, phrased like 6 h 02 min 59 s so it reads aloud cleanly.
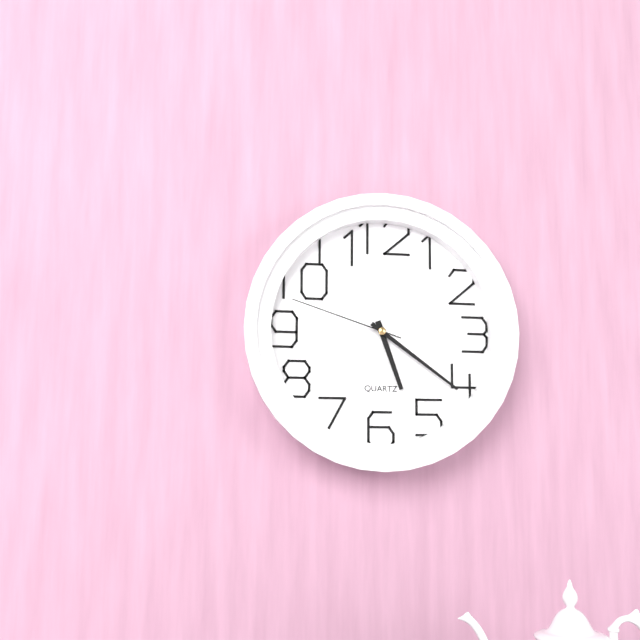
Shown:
5 h 21 min 48 s
